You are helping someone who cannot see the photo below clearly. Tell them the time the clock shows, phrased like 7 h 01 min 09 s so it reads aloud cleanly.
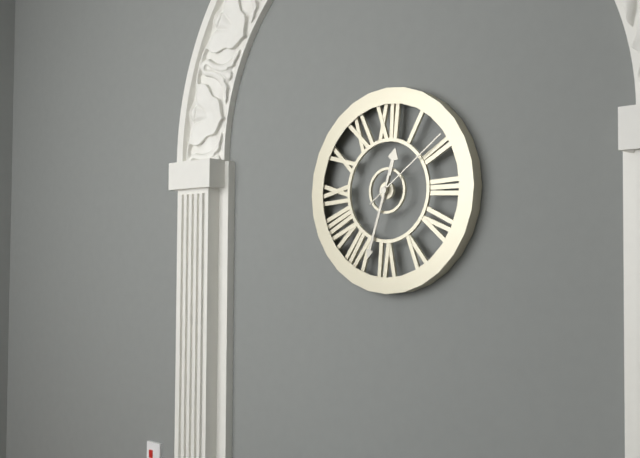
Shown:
12 h 33 min 09 s
